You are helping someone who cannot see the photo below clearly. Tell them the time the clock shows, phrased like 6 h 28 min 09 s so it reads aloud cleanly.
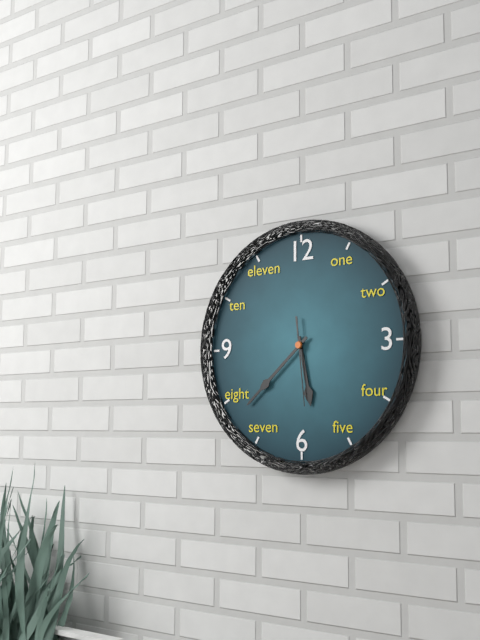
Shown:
5 h 38 min 29 s
